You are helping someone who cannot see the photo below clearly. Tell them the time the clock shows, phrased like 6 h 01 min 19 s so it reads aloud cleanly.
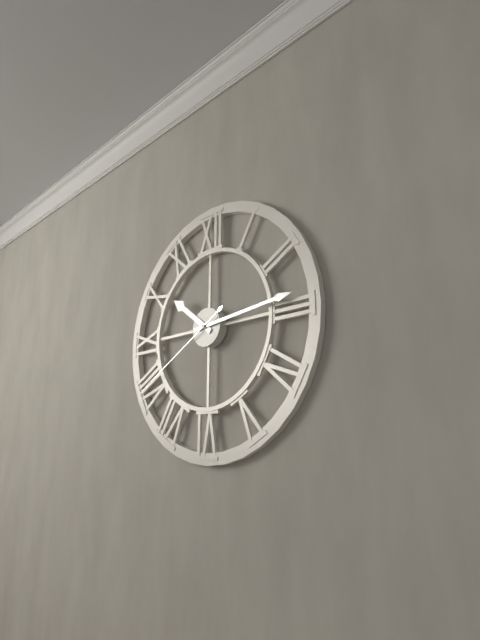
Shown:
10 h 14 min 40 s
